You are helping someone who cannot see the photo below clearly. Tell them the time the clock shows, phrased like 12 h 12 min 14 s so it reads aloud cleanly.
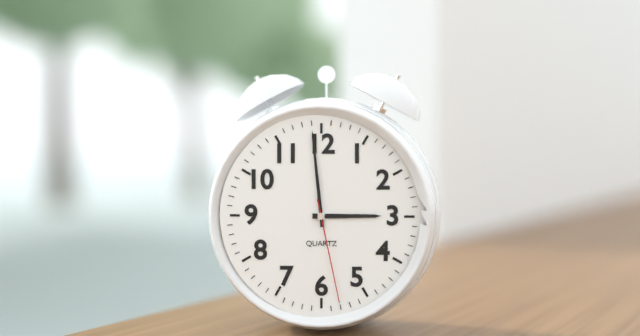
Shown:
2 h 59 min 28 s
